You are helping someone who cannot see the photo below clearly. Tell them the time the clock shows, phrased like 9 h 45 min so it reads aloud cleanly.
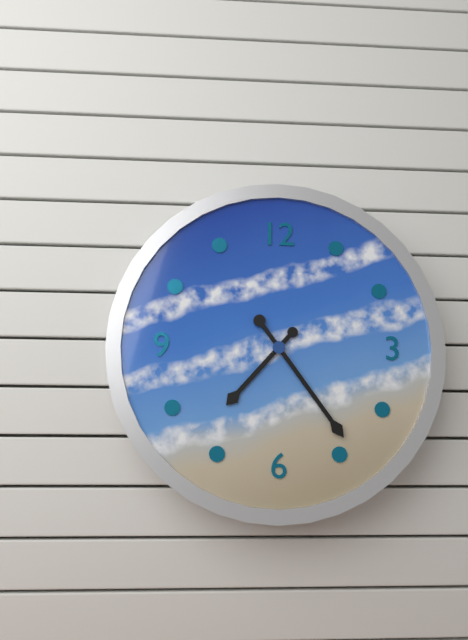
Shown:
7 h 24 min
